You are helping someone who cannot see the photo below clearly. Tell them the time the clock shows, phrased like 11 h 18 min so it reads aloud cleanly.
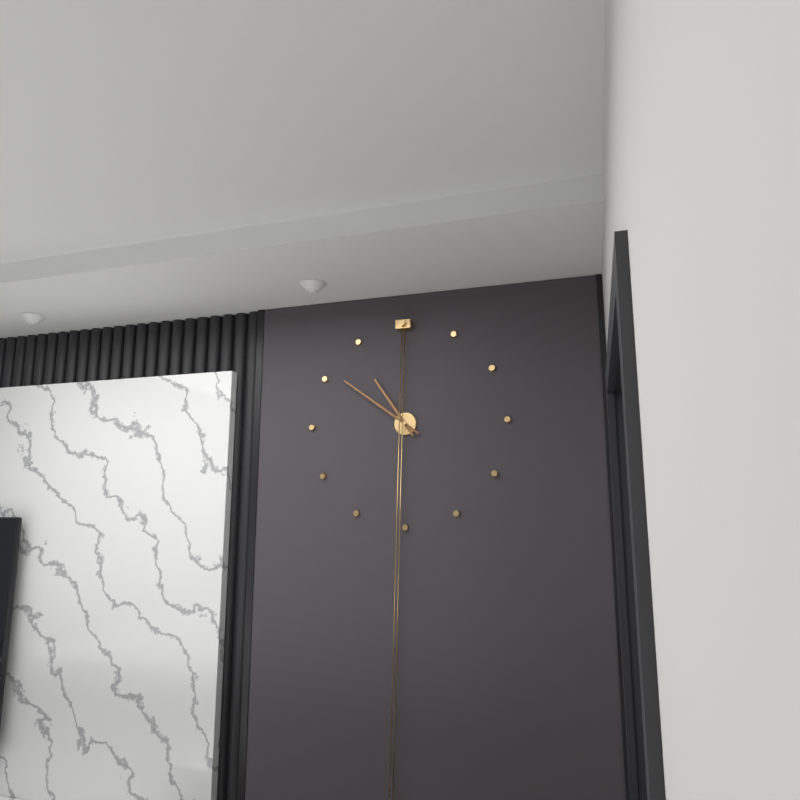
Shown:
10 h 51 min
